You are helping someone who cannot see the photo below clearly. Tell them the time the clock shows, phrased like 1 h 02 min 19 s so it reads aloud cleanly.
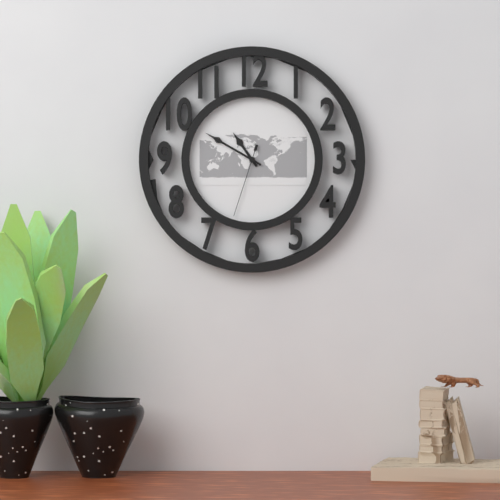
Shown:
10 h 50 min 33 s
